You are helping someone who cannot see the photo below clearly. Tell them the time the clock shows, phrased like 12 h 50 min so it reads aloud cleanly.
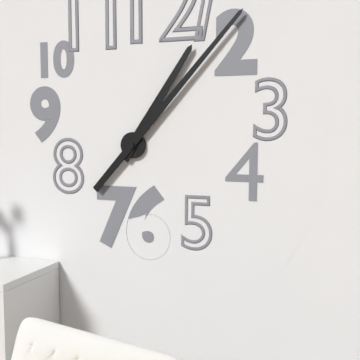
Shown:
1 h 07 min
